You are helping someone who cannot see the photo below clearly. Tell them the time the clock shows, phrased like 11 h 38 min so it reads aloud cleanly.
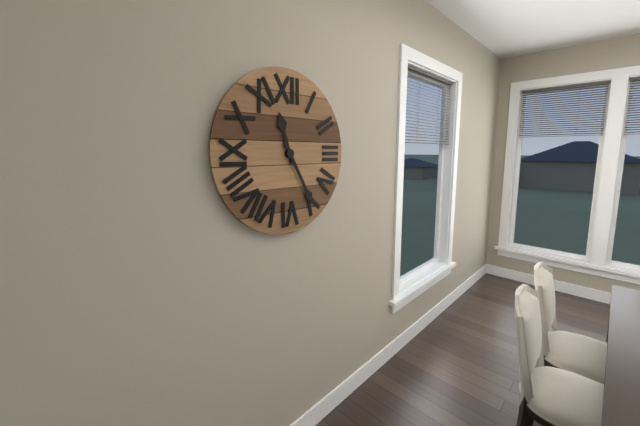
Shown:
11 h 25 min
